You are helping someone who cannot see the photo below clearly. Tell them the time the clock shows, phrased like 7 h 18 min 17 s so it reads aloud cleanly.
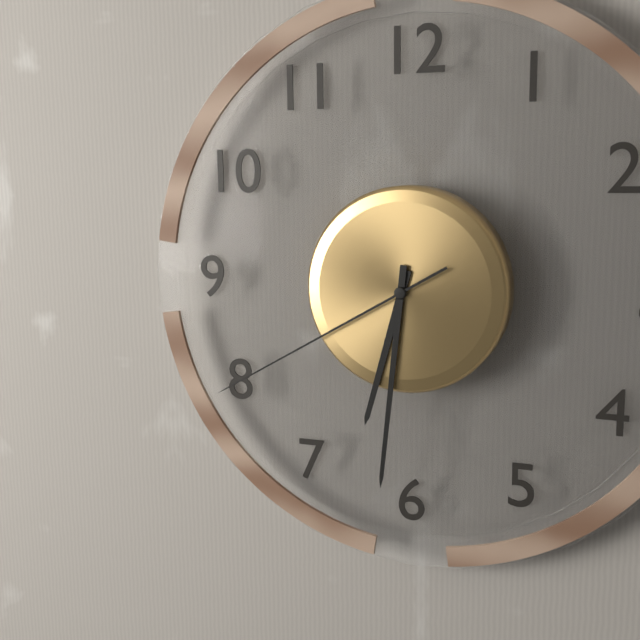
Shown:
6 h 31 min 40 s
